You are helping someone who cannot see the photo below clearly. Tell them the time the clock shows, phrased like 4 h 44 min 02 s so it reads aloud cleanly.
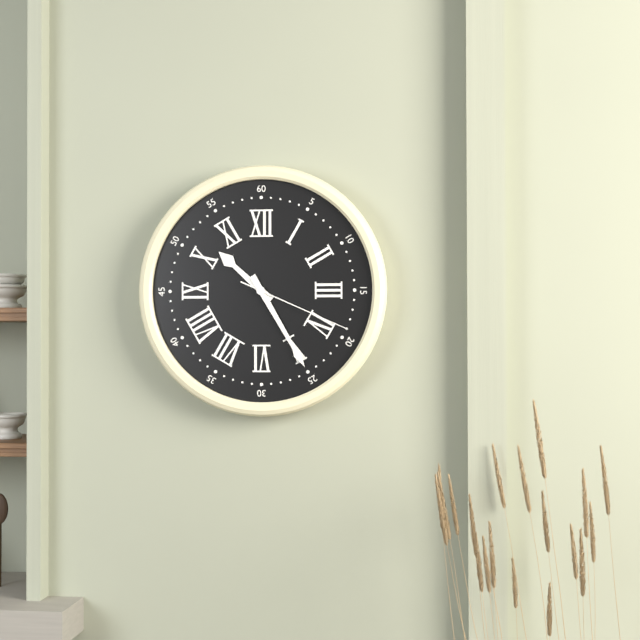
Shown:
10 h 25 min 19 s
